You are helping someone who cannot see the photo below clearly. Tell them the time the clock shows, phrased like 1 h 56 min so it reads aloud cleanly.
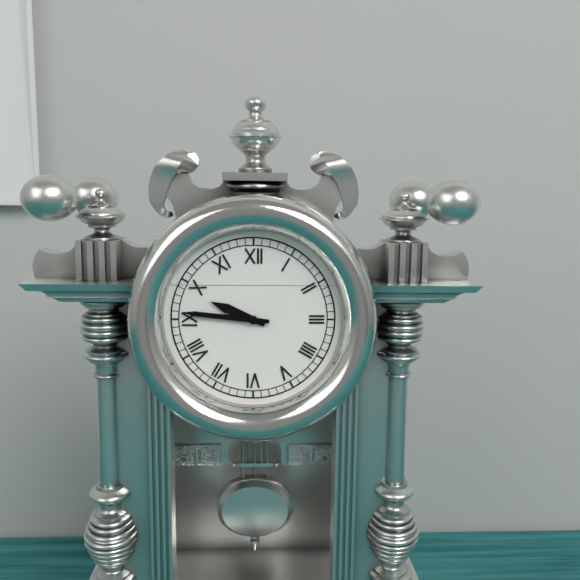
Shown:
9 h 46 min
